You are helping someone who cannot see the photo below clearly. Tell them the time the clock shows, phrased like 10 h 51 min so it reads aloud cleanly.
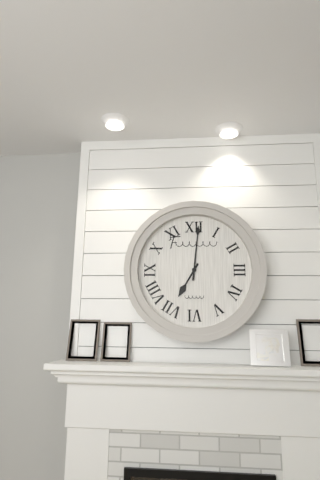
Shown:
7 h 01 min
